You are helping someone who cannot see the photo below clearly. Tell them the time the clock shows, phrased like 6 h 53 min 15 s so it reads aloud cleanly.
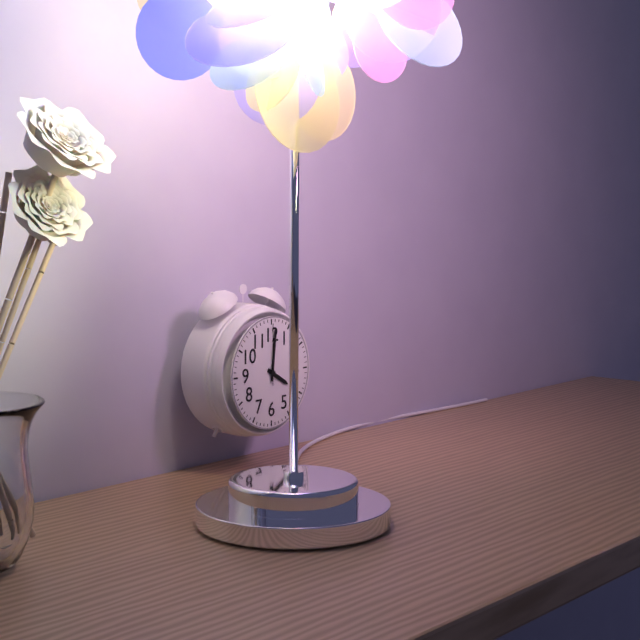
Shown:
4 h 01 min 00 s
